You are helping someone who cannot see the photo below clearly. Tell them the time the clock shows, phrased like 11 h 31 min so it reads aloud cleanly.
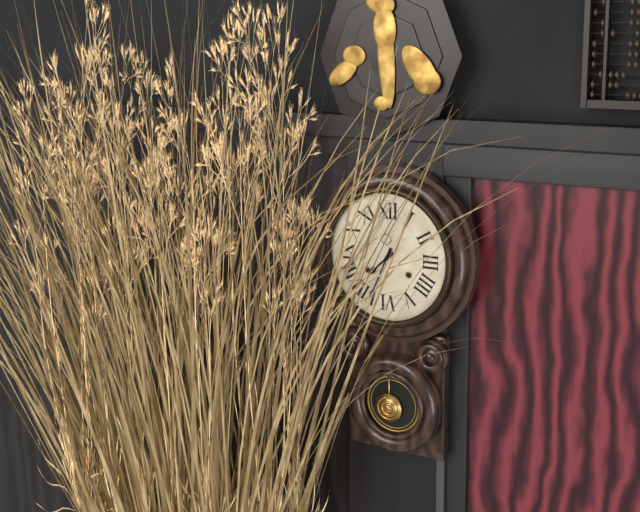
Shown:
7 h 34 min
